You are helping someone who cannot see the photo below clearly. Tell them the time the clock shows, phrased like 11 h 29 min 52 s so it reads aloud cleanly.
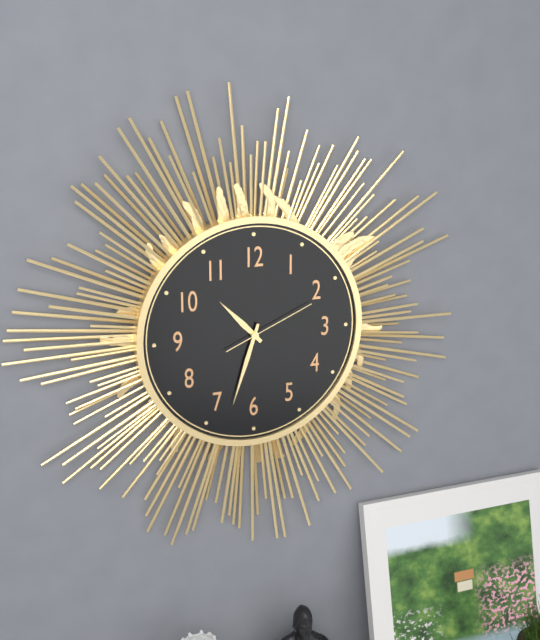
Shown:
10 h 33 min 11 s
